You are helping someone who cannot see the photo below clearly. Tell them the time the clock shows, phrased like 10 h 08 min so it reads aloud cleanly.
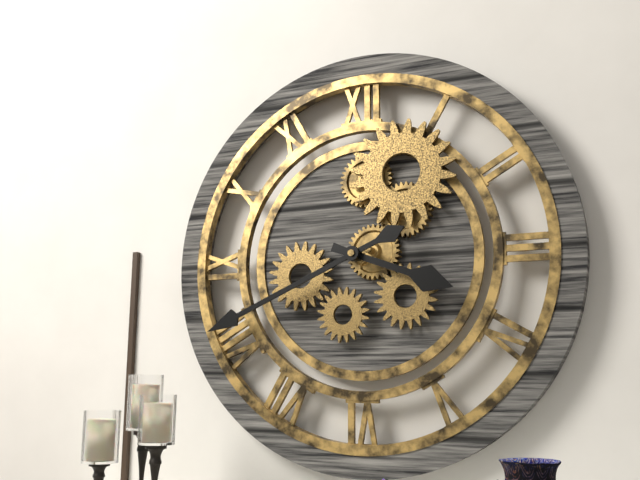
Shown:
3 h 41 min
